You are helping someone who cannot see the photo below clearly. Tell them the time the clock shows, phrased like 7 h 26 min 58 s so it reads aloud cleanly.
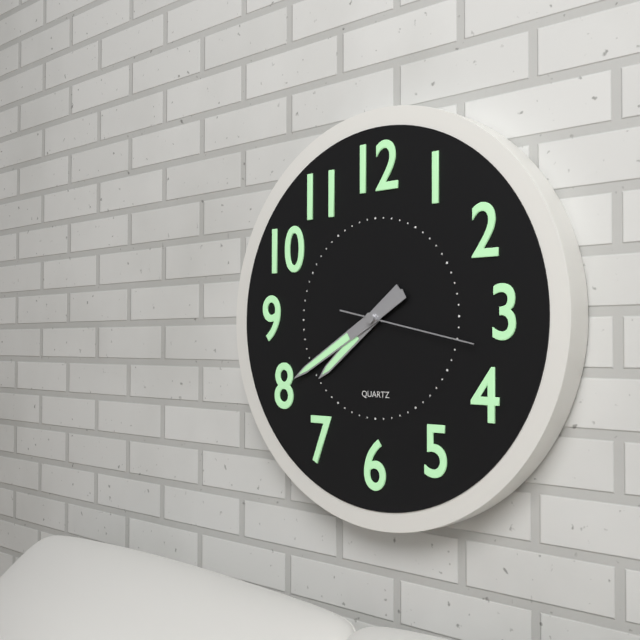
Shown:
7 h 40 min 17 s
